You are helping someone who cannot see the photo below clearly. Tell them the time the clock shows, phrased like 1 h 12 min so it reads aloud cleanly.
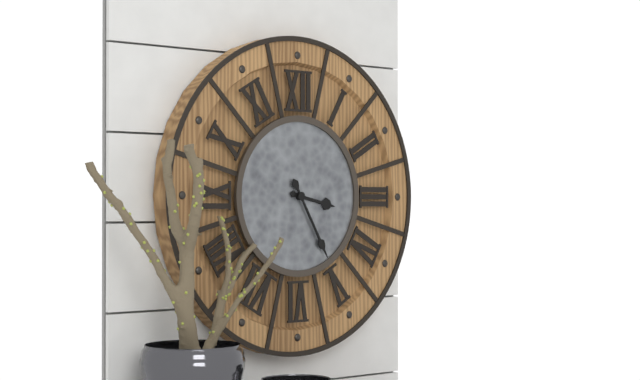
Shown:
3 h 25 min
